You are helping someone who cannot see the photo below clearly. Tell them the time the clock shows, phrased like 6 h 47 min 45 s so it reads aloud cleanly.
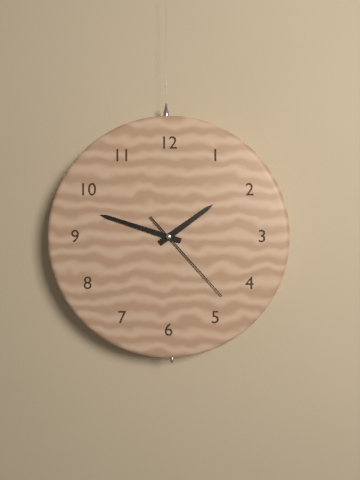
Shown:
1 h 48 min 23 s
